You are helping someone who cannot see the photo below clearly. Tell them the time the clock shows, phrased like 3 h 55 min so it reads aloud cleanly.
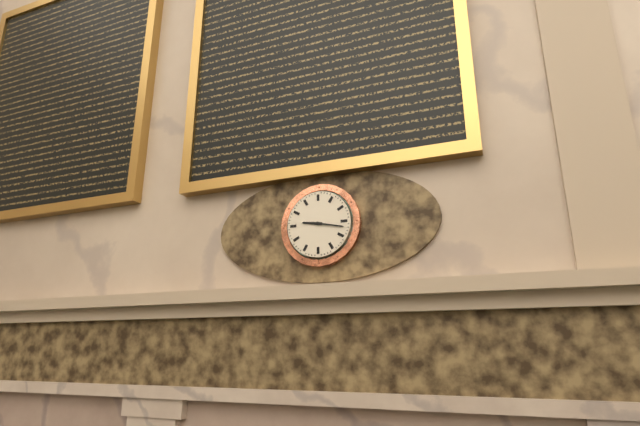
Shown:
9 h 17 min
